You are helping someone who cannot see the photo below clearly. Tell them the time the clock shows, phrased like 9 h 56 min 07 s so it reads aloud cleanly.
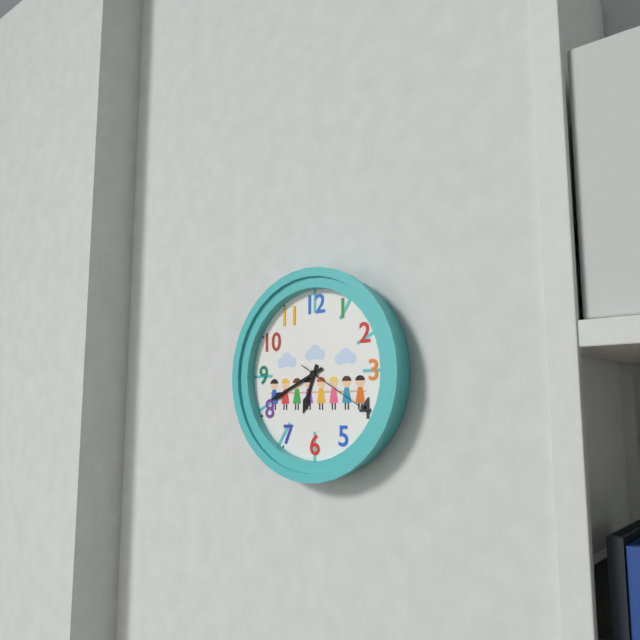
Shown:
6 h 41 min 20 s
